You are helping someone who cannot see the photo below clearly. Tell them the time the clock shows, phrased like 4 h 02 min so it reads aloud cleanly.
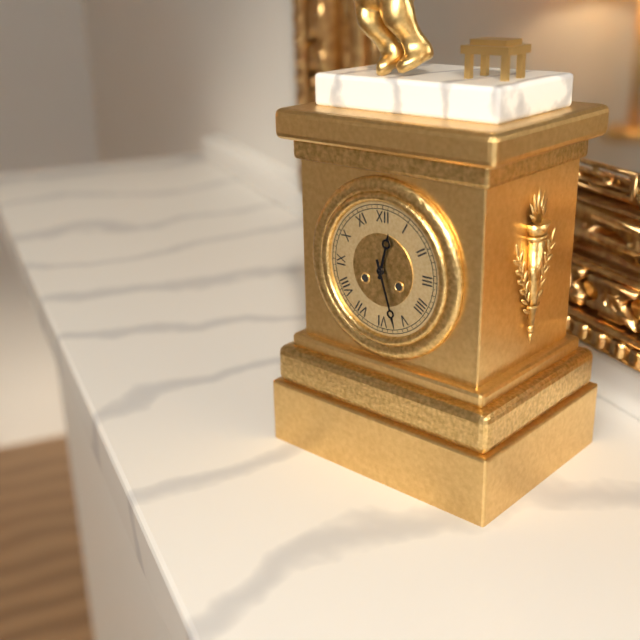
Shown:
12 h 27 min
